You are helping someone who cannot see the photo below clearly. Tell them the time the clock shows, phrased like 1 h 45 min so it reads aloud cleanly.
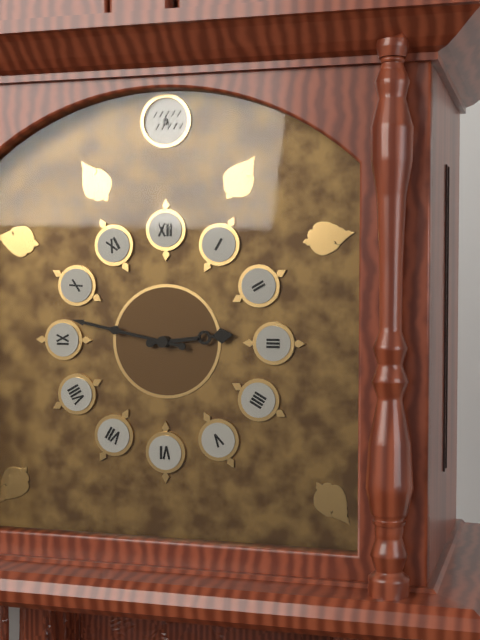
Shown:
2 h 47 min
